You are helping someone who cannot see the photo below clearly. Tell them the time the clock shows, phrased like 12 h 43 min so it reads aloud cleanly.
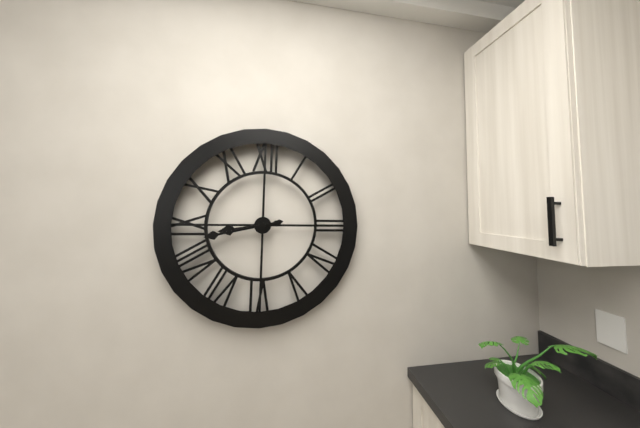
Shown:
8 h 43 min
